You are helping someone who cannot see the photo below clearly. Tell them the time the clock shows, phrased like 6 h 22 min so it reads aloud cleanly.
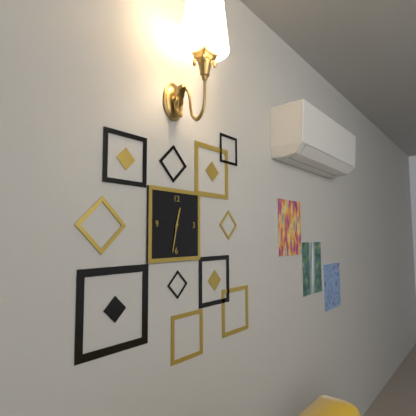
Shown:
12 h 32 min
